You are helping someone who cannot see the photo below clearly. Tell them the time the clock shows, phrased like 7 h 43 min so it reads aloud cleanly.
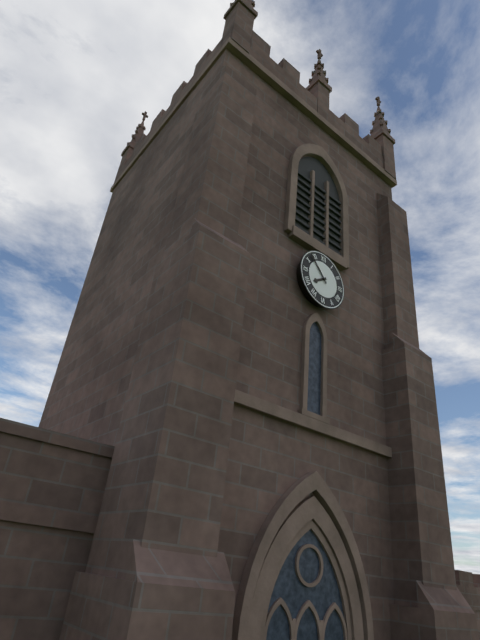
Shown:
7 h 53 min
